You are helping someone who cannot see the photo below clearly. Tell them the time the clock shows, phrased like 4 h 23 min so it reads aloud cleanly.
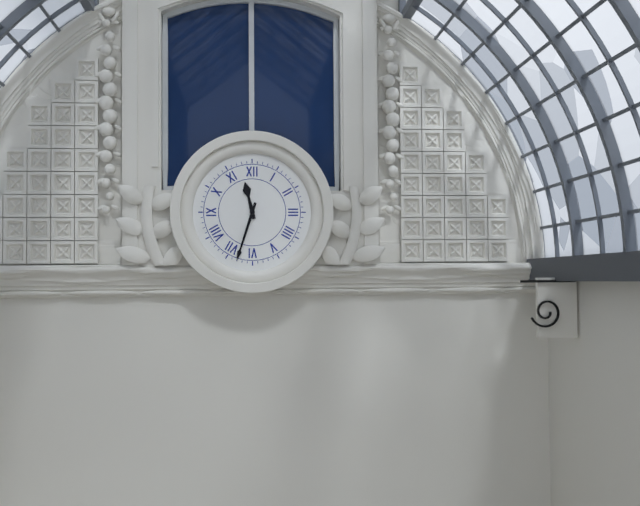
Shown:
11 h 33 min
